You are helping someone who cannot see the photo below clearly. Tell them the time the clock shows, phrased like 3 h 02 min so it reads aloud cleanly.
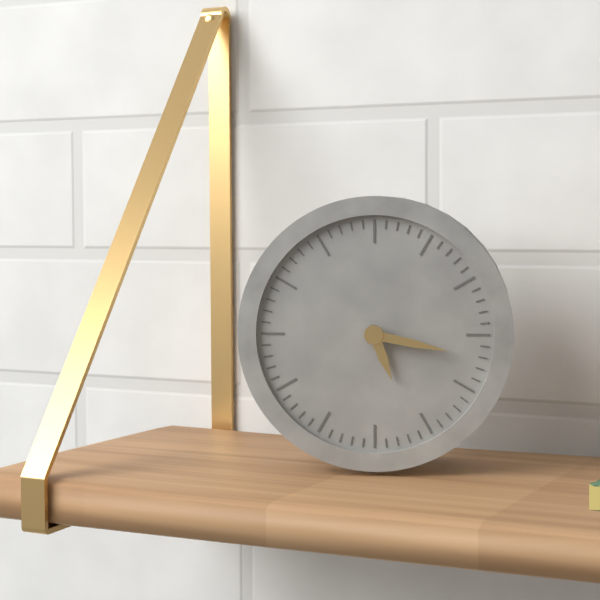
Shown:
5 h 17 min
